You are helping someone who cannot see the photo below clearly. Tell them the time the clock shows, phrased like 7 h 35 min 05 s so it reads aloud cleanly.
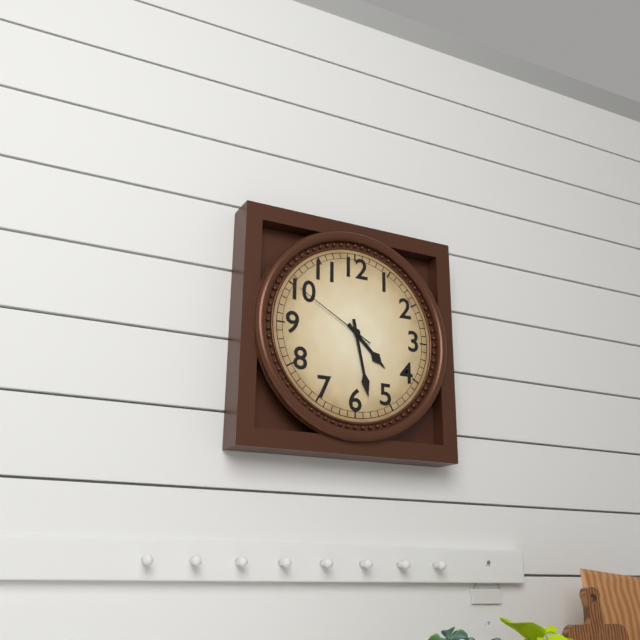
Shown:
4 h 28 min 50 s
